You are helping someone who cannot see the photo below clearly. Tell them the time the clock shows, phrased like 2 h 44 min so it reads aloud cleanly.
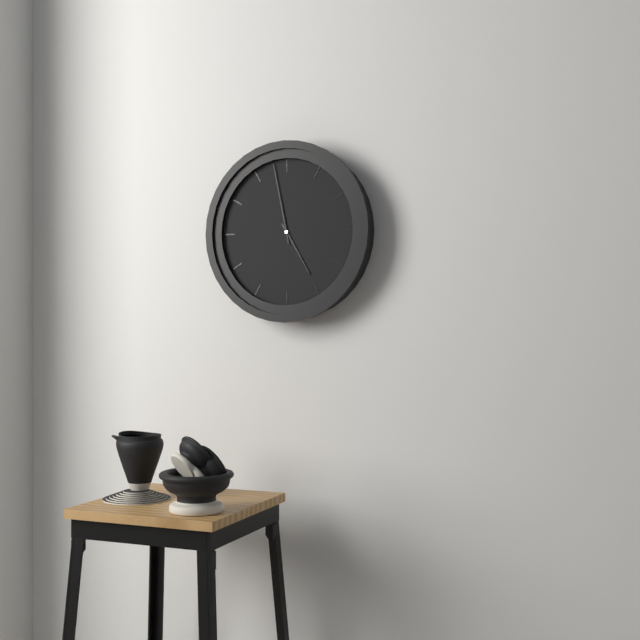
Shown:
4 h 58 min
